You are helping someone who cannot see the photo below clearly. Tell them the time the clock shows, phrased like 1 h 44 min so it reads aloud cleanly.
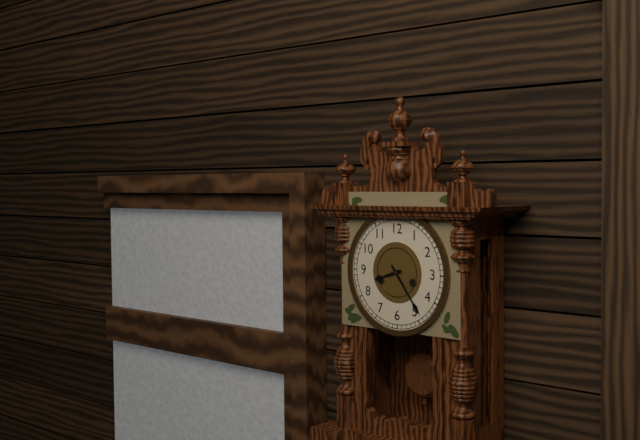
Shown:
8 h 24 min
